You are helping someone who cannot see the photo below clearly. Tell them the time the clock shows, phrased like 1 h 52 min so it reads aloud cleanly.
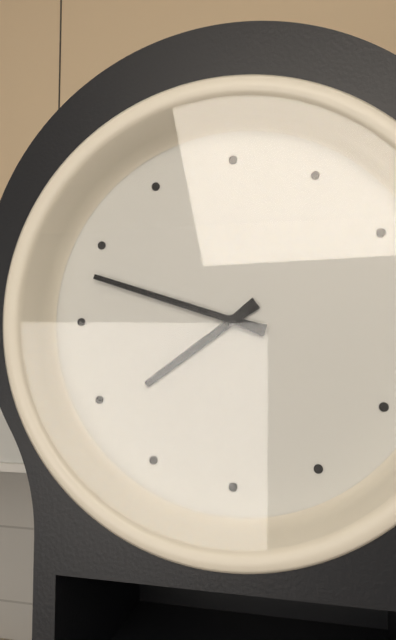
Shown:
7 h 48 min
